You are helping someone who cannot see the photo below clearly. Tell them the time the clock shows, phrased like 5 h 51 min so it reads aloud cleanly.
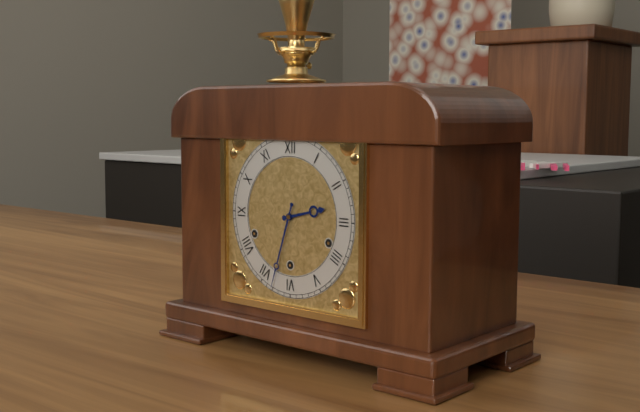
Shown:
2 h 33 min
